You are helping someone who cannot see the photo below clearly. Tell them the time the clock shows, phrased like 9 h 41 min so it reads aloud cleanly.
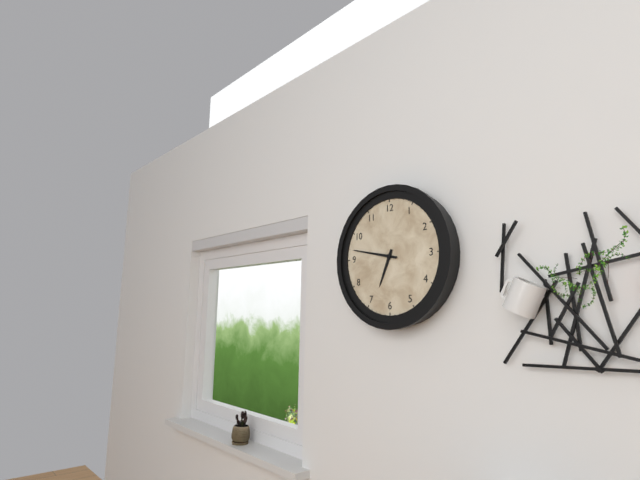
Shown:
6 h 47 min
